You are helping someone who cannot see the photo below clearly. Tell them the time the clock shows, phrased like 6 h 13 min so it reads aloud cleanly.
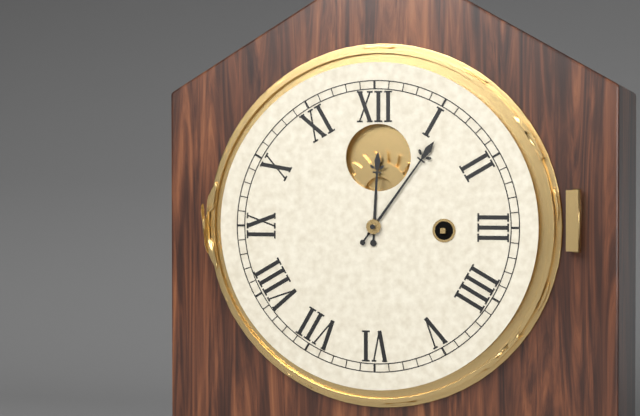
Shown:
12 h 06 min
